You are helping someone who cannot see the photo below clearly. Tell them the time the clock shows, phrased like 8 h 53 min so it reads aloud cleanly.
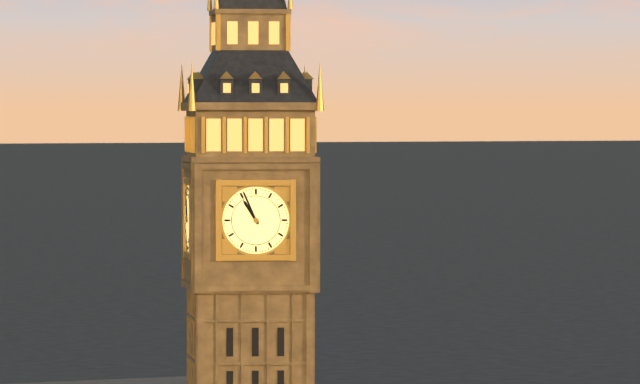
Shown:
10 h 56 min
